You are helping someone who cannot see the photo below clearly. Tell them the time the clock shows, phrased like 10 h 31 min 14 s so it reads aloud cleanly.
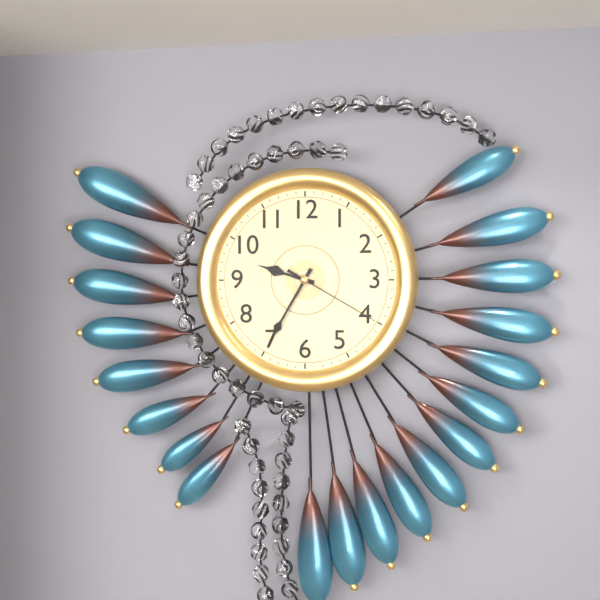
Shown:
9 h 35 min 20 s
